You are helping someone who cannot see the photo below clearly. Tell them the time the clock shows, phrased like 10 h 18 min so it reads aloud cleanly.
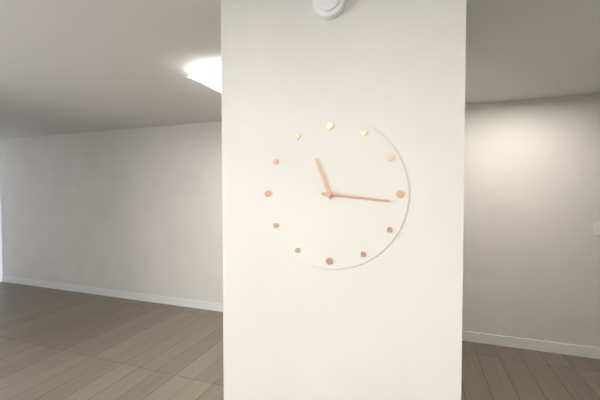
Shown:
11 h 16 min
